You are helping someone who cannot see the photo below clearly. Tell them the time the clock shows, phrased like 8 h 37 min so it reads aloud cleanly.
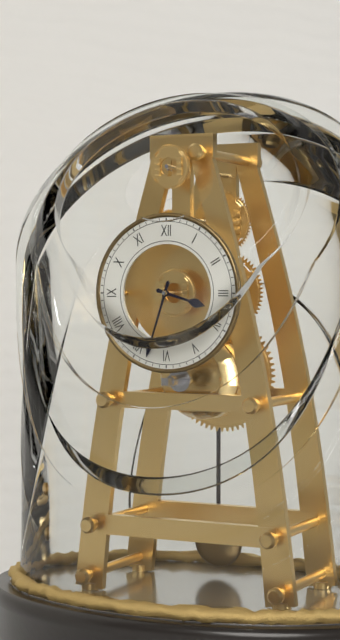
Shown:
3 h 33 min
